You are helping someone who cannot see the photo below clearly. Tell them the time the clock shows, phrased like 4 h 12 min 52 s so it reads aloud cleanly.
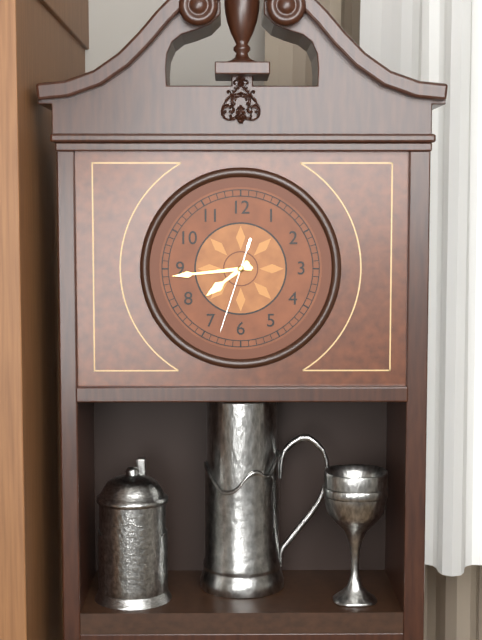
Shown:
7 h 44 min 33 s
